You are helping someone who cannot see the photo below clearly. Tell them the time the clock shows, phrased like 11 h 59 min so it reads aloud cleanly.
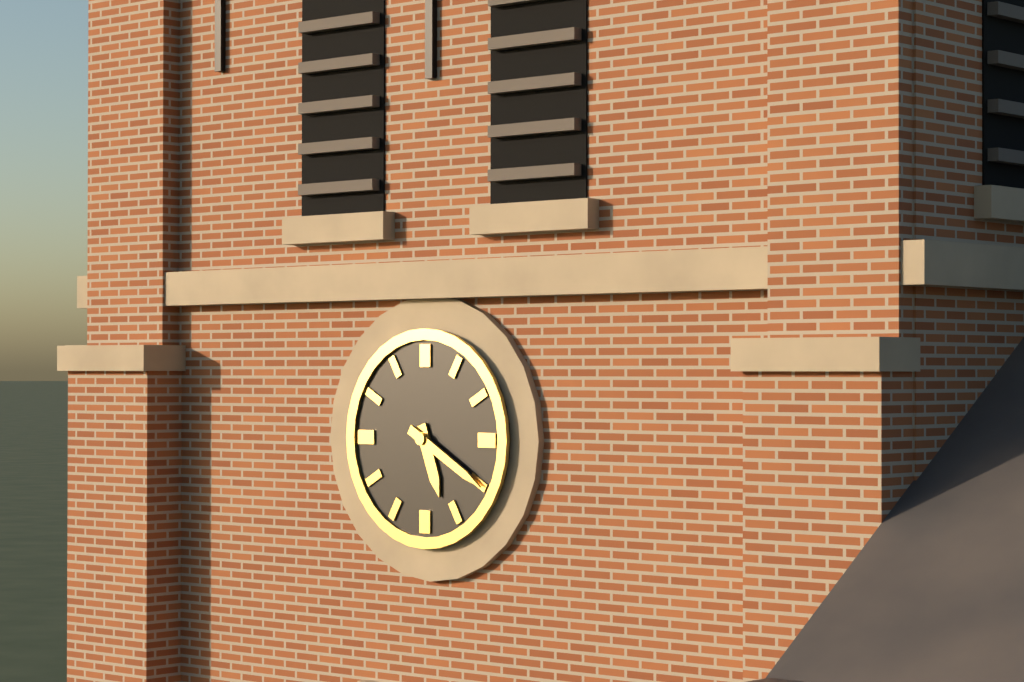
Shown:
5 h 20 min
